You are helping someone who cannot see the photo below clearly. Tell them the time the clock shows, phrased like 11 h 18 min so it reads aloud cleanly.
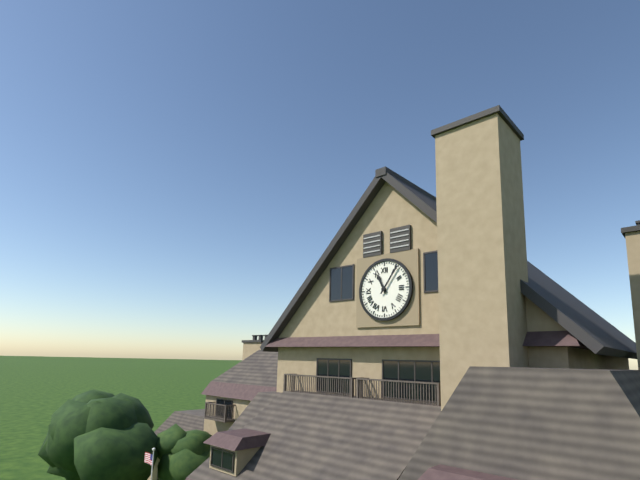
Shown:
11 h 06 min
